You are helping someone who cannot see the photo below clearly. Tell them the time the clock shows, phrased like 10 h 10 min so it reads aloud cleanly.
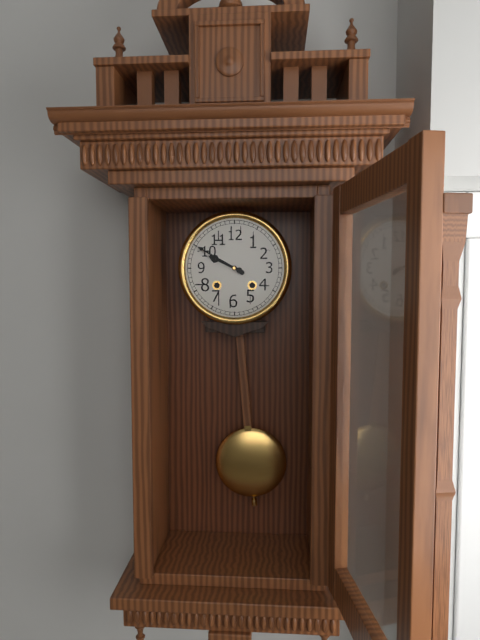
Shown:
9 h 50 min
